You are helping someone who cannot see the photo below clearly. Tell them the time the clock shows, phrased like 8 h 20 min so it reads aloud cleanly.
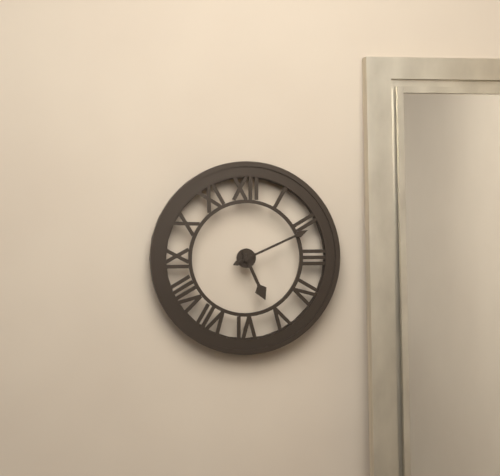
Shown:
5 h 11 min
